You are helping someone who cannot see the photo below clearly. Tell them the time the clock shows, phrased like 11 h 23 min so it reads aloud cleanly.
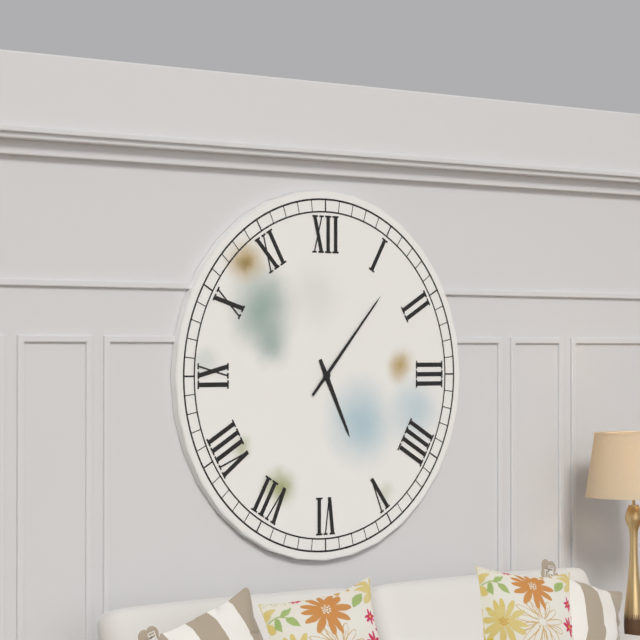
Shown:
5 h 07 min
